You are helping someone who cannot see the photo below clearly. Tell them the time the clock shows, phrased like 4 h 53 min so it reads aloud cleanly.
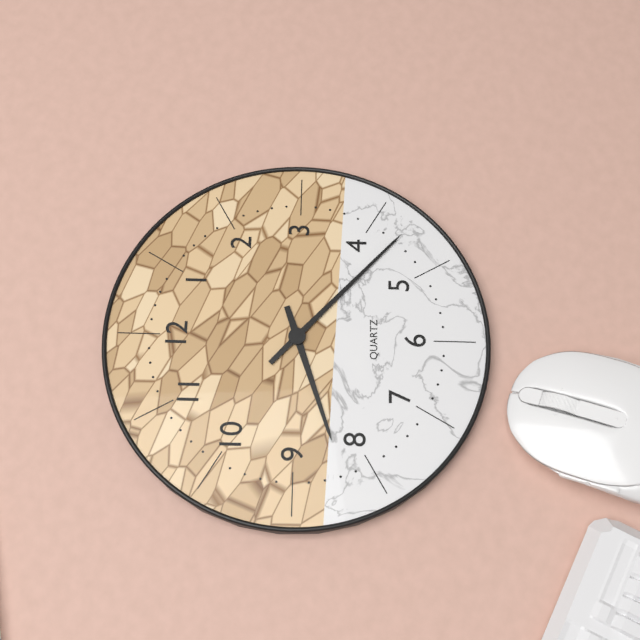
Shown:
8 h 22 min
